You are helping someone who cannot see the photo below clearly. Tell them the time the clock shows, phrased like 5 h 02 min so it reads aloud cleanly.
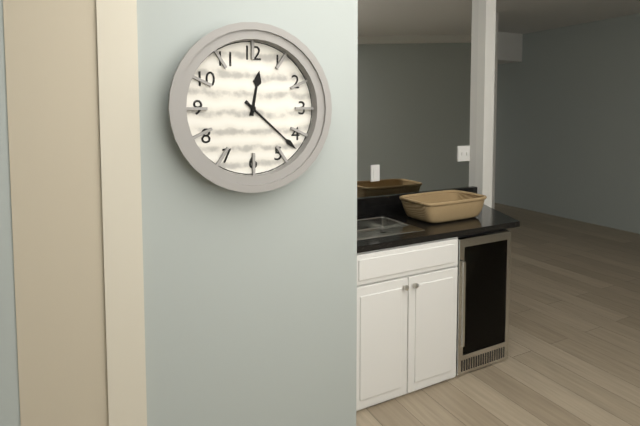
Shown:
12 h 22 min
